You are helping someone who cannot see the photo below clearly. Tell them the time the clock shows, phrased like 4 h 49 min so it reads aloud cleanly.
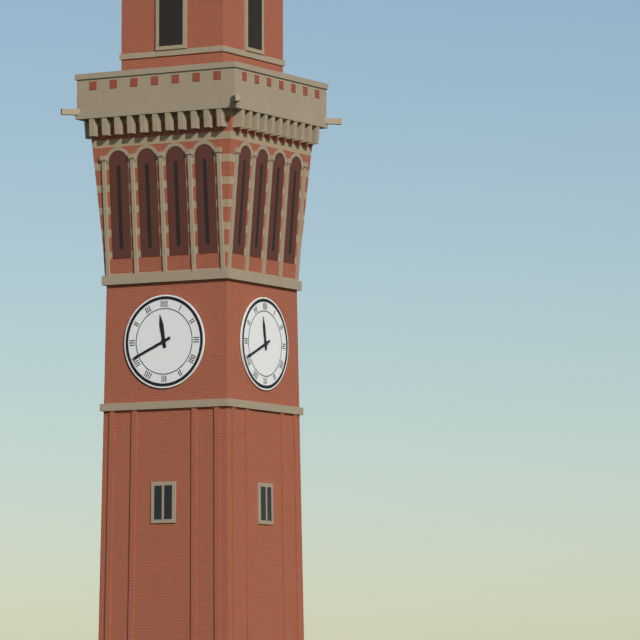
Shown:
11 h 41 min
